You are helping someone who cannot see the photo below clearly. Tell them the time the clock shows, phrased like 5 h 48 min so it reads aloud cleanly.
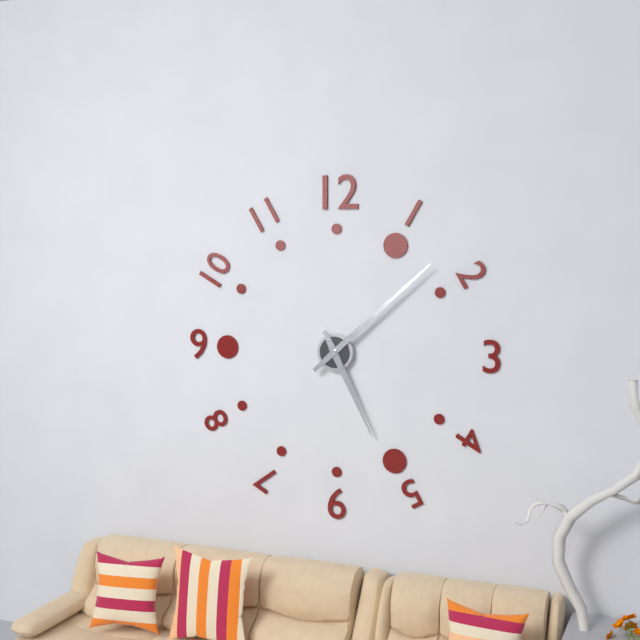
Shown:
5 h 08 min
